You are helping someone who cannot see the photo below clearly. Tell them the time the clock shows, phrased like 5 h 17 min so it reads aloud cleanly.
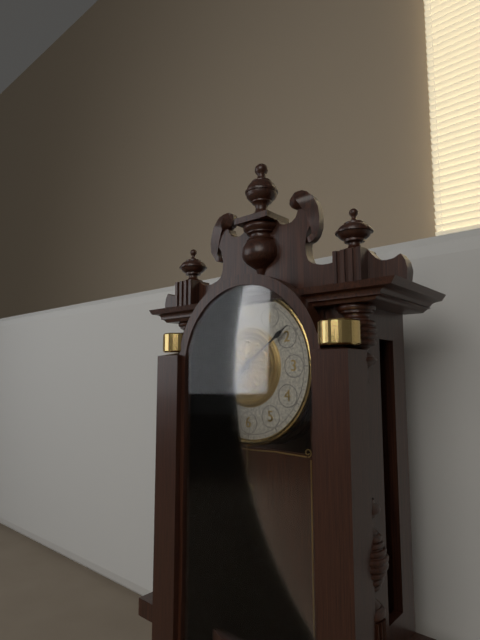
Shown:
7 h 09 min
